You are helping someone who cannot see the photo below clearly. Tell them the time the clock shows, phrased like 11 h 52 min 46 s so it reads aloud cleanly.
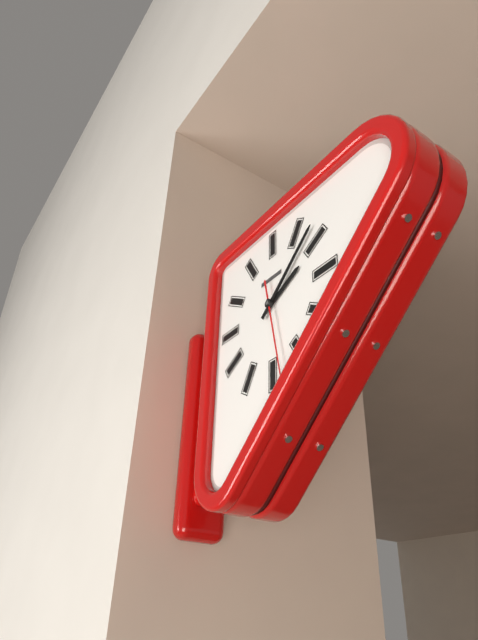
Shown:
2 h 08 min 28 s
